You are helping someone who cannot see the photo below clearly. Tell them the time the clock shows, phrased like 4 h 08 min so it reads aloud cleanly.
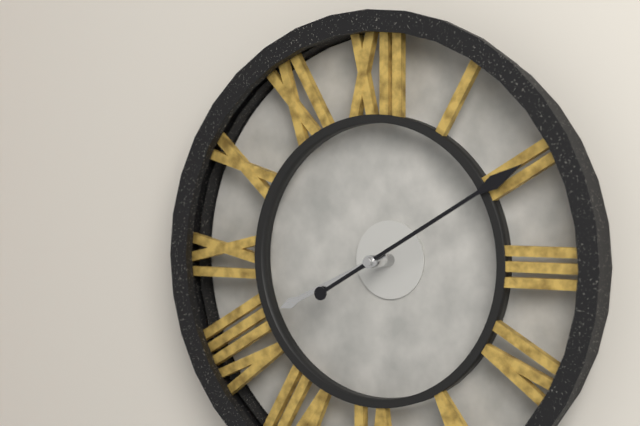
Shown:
8 h 10 min
